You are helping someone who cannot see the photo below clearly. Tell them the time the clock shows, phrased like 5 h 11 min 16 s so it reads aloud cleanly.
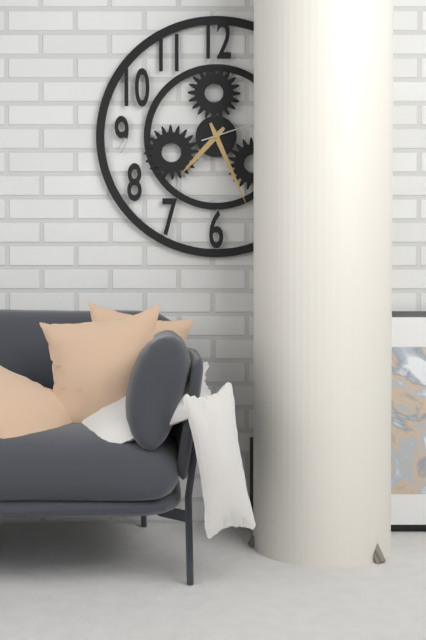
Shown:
7 h 26 min 12 s
